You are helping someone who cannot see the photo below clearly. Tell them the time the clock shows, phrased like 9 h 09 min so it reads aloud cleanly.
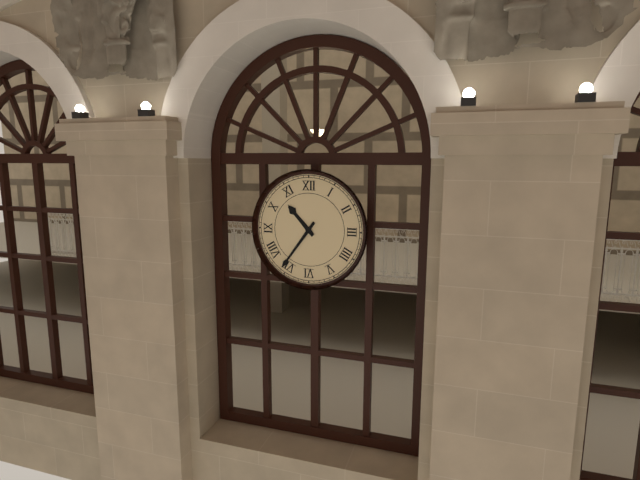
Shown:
10 h 36 min
